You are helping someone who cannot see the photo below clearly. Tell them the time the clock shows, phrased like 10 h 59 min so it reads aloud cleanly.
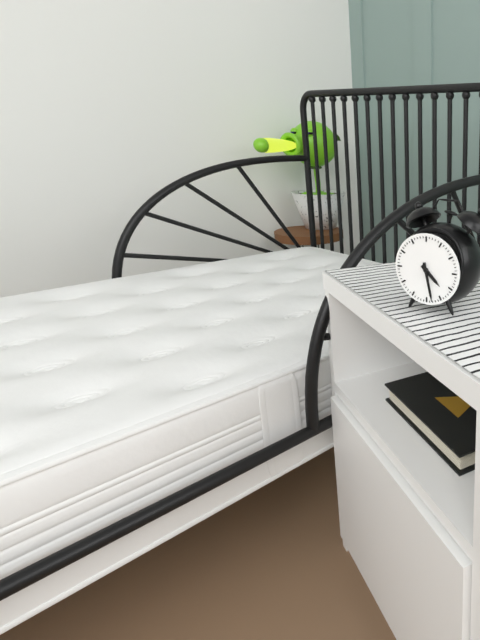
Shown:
4 h 28 min
